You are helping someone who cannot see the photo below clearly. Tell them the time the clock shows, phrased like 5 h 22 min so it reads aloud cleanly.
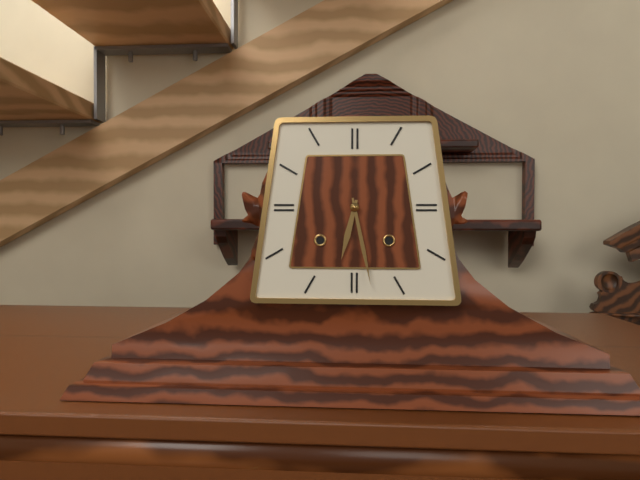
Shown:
6 h 28 min
